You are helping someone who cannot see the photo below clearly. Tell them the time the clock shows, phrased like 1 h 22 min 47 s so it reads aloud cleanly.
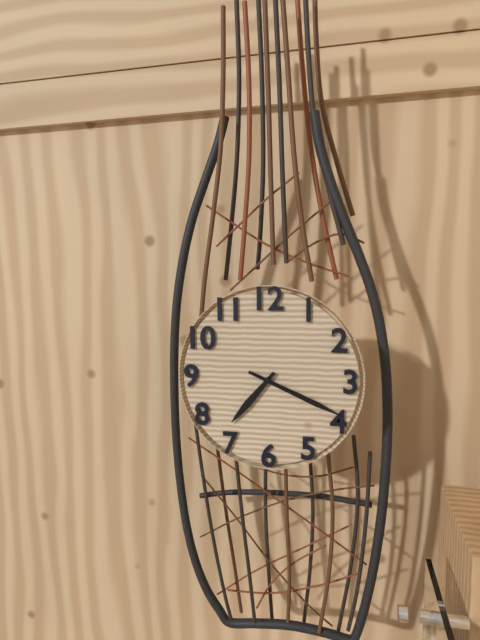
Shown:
7 h 19 min 19 s
